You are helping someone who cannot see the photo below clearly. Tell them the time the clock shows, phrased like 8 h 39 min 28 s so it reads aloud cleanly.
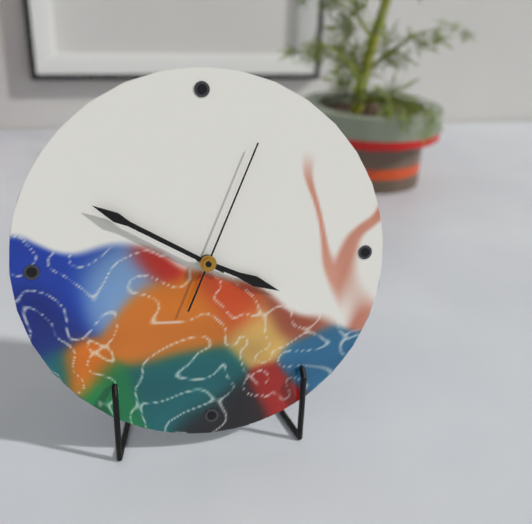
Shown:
3 h 50 min 04 s
